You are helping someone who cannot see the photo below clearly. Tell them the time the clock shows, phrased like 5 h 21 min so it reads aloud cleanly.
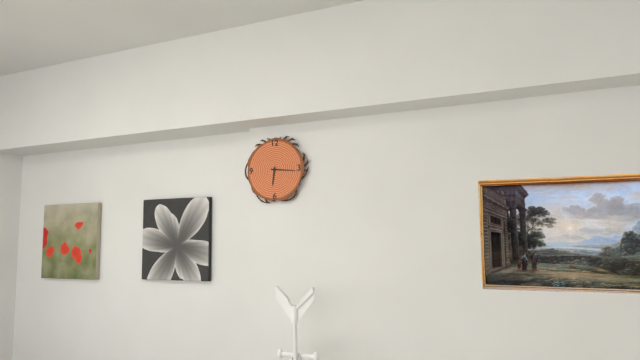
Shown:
6 h 16 min
